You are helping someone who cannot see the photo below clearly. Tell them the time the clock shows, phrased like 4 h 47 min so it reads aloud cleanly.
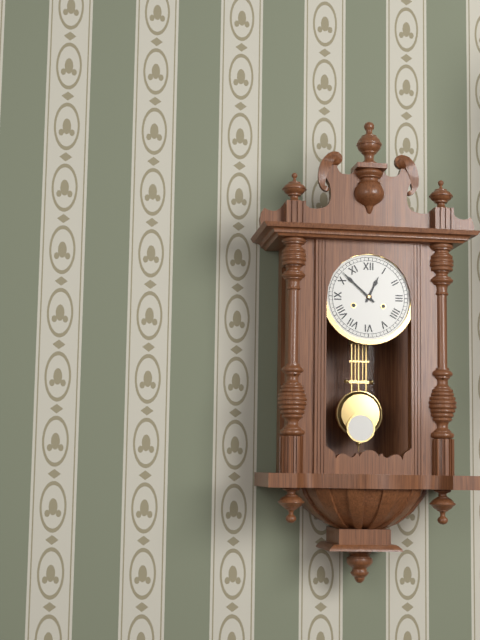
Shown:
12 h 52 min
